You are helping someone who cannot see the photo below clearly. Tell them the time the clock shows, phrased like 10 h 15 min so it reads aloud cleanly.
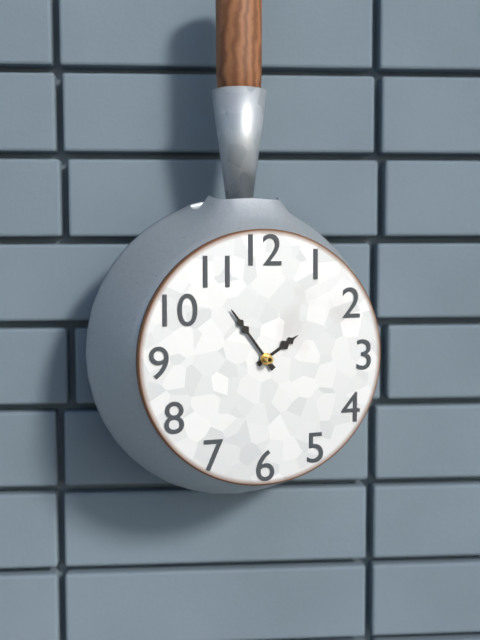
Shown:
1 h 54 min
